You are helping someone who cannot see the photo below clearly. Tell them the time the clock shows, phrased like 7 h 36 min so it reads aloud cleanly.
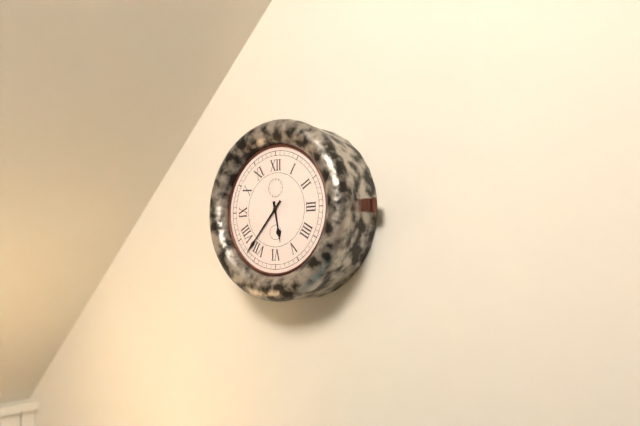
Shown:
5 h 37 min
